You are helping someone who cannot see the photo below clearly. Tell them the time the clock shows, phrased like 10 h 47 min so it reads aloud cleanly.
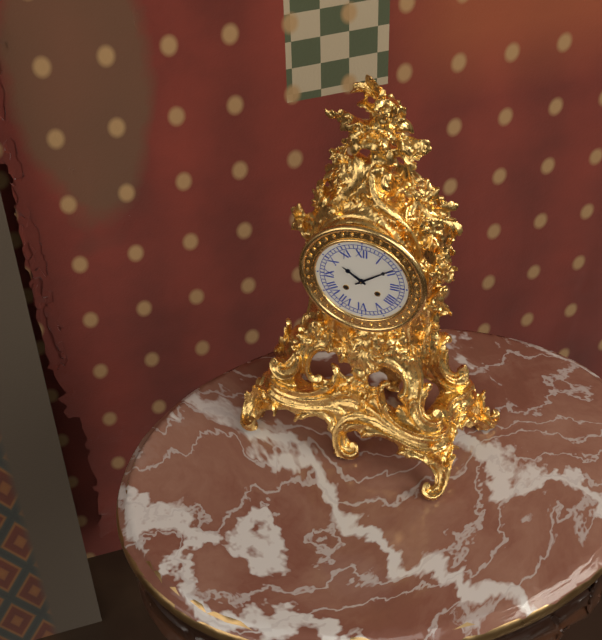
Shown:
10 h 09 min
